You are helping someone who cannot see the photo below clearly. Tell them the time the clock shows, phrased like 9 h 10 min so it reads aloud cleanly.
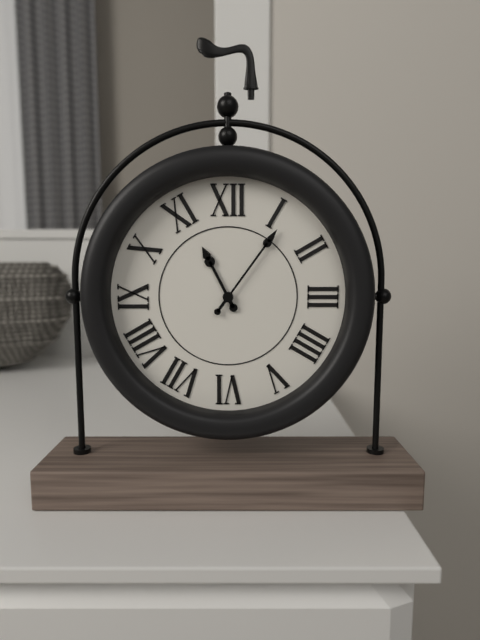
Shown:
11 h 06 min
